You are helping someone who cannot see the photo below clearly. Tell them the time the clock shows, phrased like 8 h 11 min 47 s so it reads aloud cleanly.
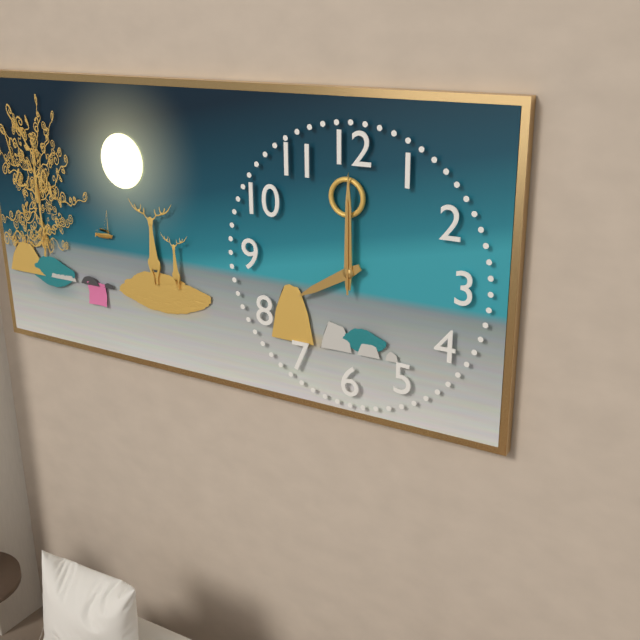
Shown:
8 h 00 min 00 s
